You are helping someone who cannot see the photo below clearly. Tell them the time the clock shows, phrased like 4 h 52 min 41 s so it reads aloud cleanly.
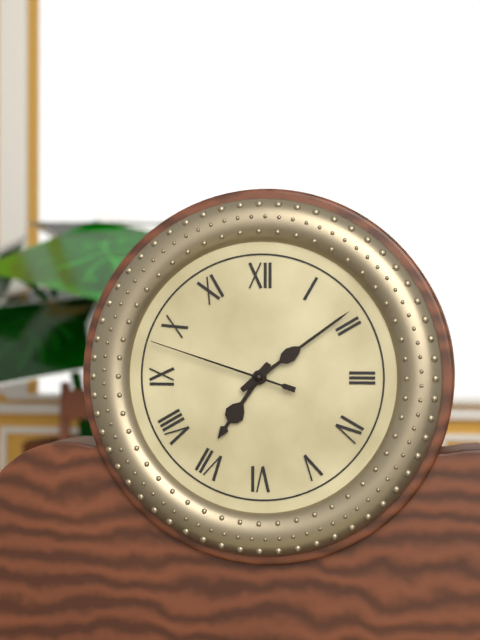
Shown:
7 h 09 min 48 s
